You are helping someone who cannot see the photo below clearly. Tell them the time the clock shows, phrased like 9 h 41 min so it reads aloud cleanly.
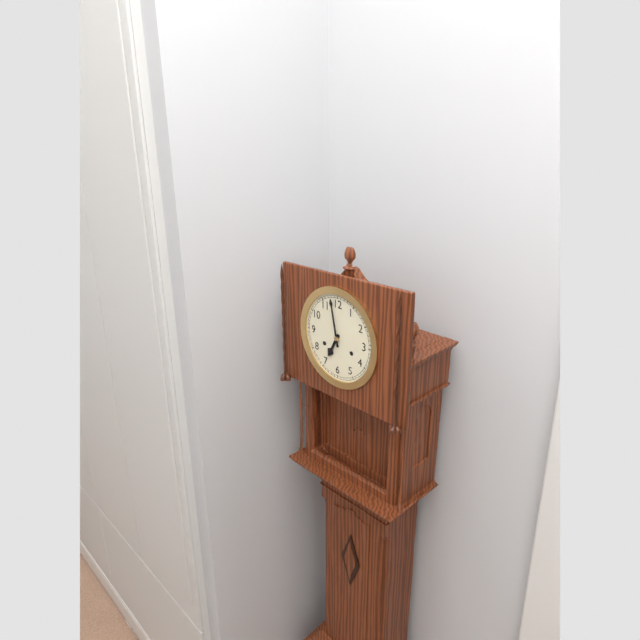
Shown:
6 h 58 min
